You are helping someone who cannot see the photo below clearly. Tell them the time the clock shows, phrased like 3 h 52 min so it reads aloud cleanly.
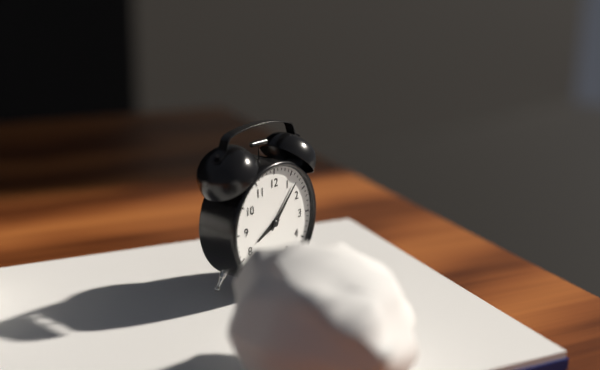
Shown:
8 h 07 min
